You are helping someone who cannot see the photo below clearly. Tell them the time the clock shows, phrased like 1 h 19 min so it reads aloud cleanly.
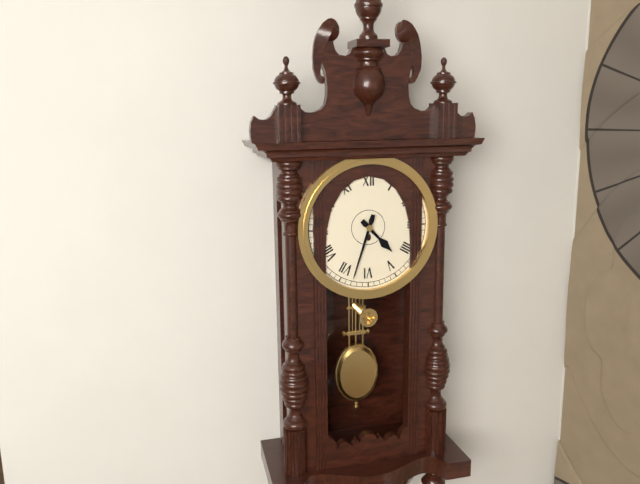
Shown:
4 h 33 min
